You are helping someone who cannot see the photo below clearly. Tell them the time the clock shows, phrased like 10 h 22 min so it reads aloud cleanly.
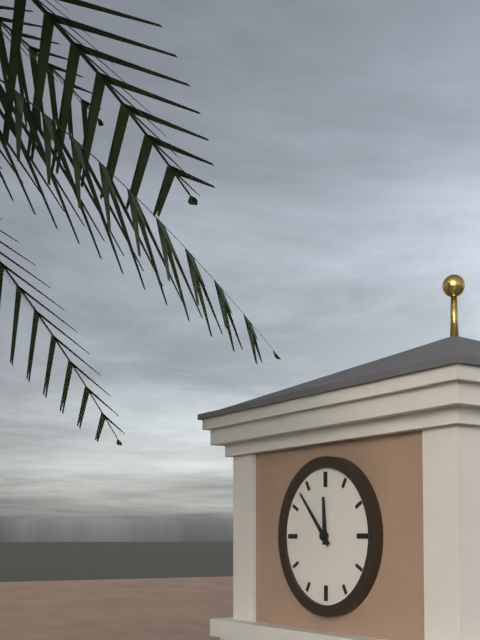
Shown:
11 h 53 min
